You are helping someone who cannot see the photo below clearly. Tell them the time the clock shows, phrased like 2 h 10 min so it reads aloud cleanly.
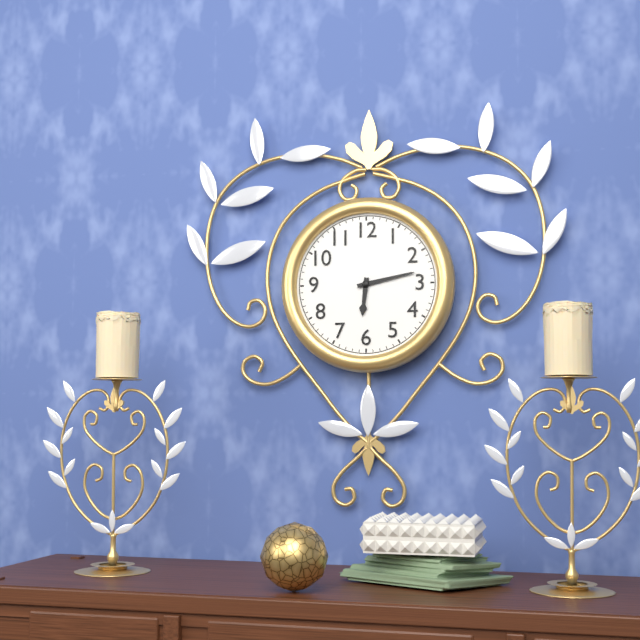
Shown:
6 h 13 min
